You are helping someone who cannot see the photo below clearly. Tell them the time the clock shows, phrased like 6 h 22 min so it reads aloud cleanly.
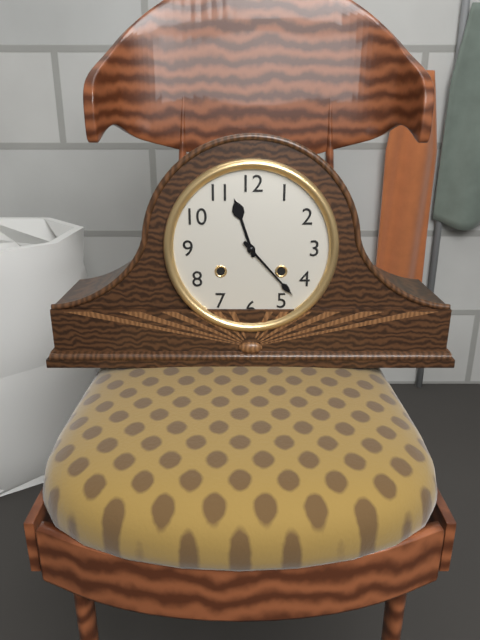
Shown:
11 h 23 min
